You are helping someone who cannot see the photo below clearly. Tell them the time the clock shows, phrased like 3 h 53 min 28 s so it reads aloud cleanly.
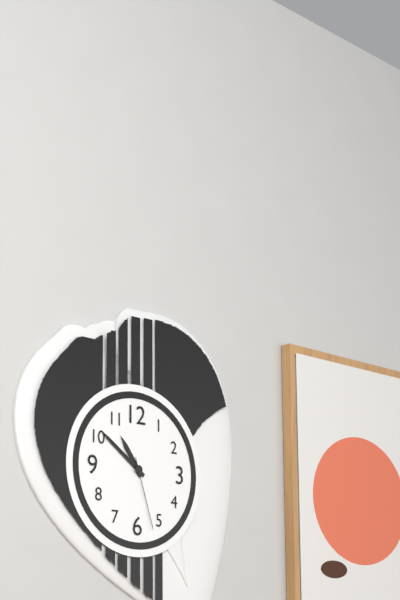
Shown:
10 h 51 min 27 s
